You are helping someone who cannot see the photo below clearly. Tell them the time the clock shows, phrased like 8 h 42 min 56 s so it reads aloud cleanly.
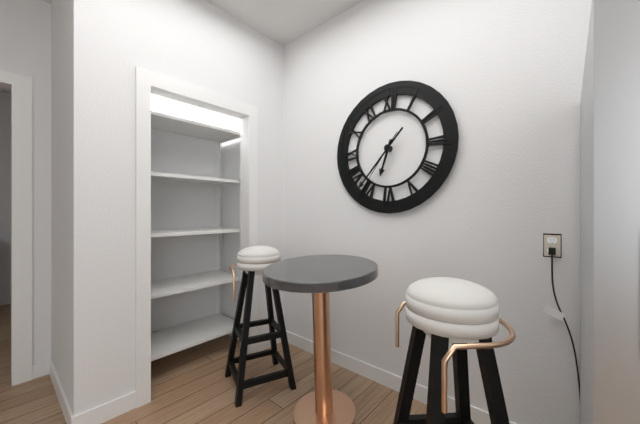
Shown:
6 h 37 min 36 s
